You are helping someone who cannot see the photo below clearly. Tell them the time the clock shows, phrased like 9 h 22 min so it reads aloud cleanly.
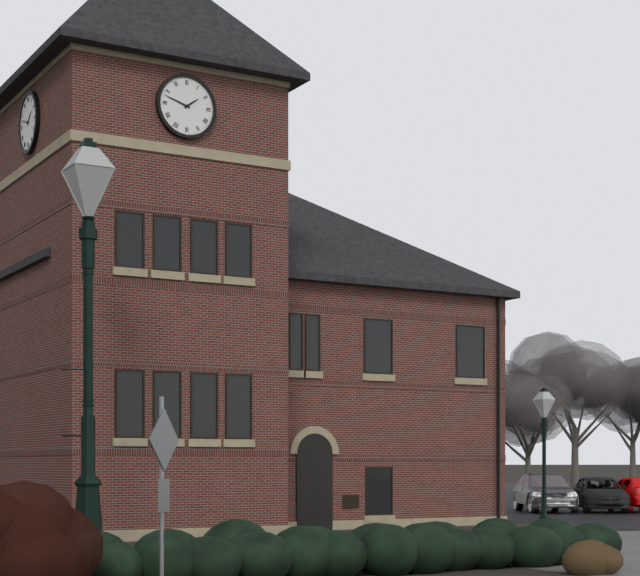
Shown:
1 h 48 min
